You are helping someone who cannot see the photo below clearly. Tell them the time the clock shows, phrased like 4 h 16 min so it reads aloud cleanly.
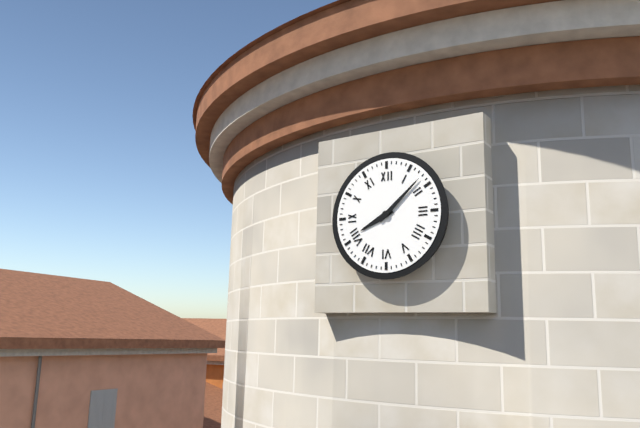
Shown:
8 h 08 min
